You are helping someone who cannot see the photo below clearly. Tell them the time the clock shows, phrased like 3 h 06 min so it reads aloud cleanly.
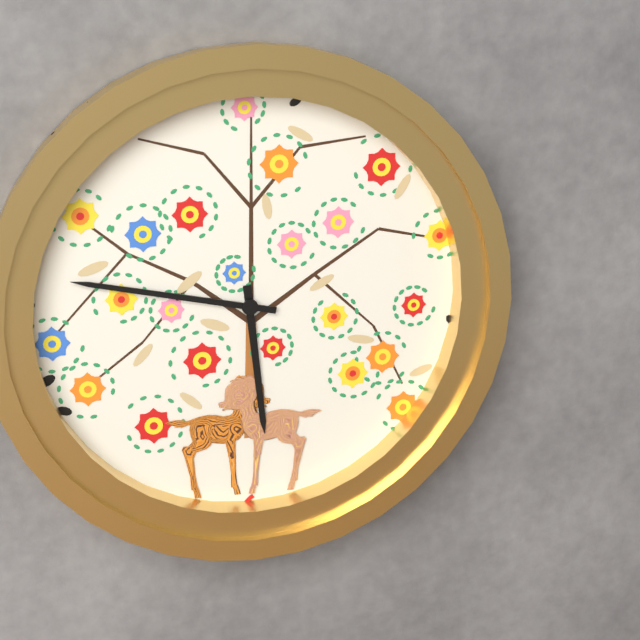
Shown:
5 h 47 min
